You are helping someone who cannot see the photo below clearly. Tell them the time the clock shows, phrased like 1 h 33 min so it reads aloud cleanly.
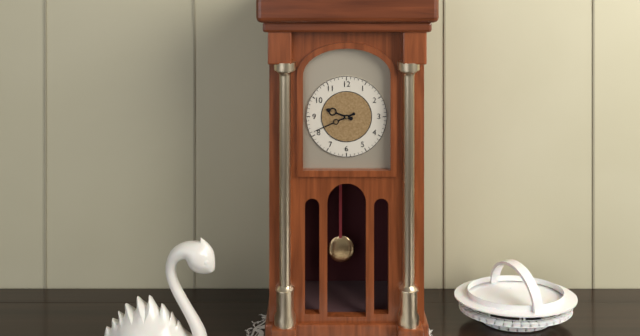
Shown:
9 h 41 min
